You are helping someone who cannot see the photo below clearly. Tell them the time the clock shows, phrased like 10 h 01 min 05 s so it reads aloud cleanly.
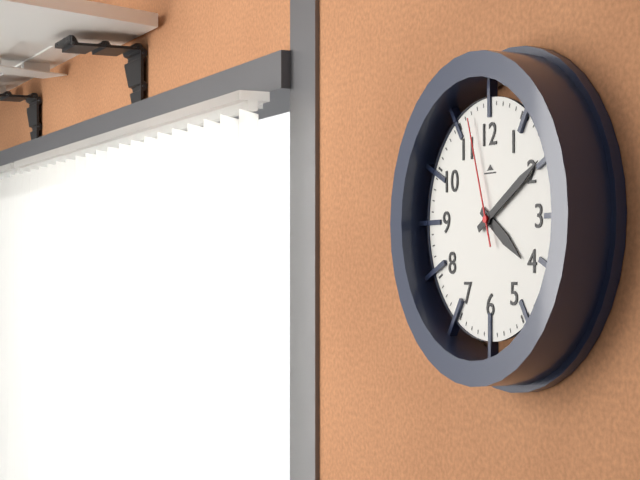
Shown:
4 h 10 min 57 s
